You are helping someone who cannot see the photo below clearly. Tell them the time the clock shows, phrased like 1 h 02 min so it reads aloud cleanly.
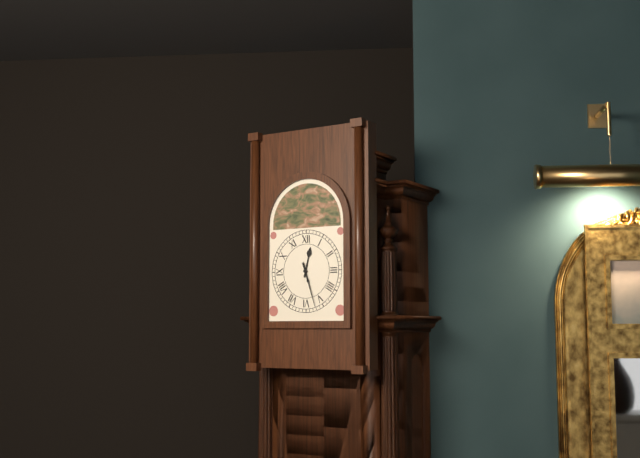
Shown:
12 h 27 min
